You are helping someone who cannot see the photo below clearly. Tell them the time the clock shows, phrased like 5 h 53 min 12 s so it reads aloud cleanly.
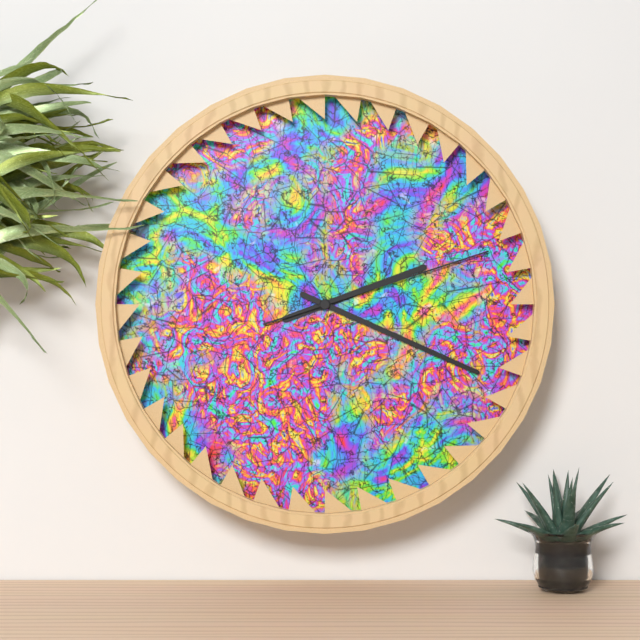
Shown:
2 h 19 min 12 s
